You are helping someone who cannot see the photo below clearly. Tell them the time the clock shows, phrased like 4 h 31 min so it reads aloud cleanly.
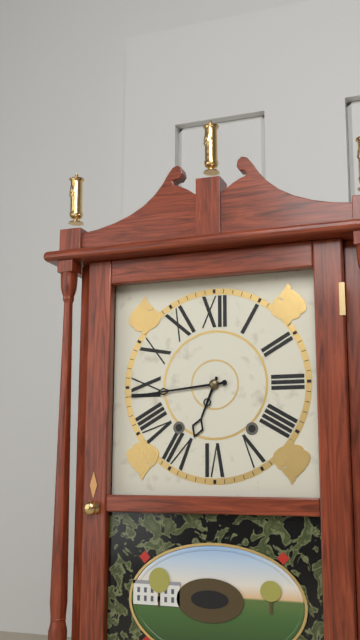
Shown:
6 h 44 min
